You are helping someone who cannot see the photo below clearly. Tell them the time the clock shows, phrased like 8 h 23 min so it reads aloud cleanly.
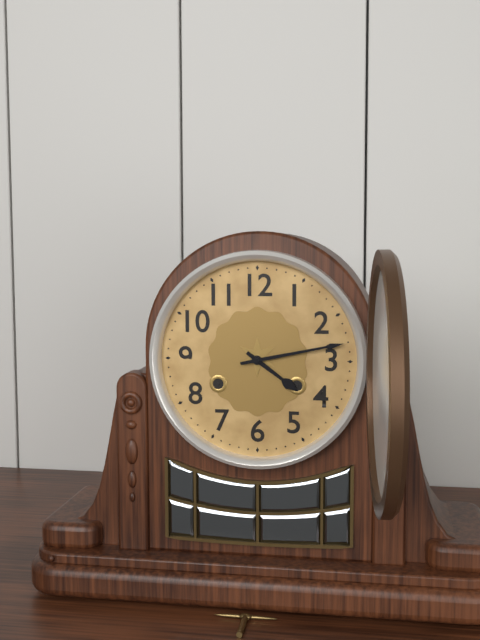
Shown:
4 h 13 min
